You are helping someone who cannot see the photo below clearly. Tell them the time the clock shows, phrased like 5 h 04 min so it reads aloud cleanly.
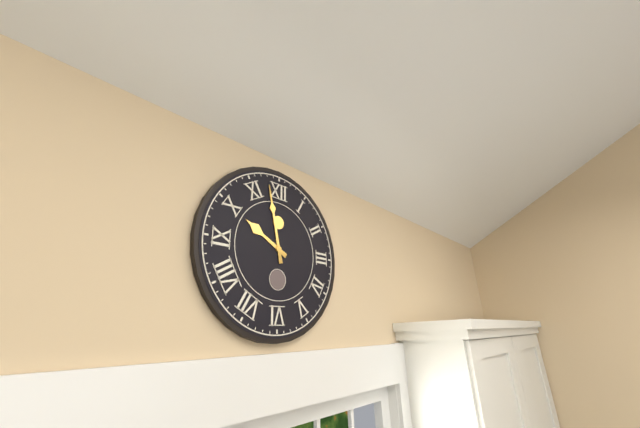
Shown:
9 h 58 min
